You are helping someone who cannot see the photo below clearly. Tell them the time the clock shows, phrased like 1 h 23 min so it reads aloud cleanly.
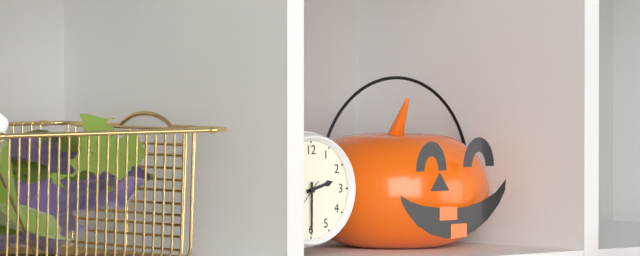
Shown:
2 h 30 min
